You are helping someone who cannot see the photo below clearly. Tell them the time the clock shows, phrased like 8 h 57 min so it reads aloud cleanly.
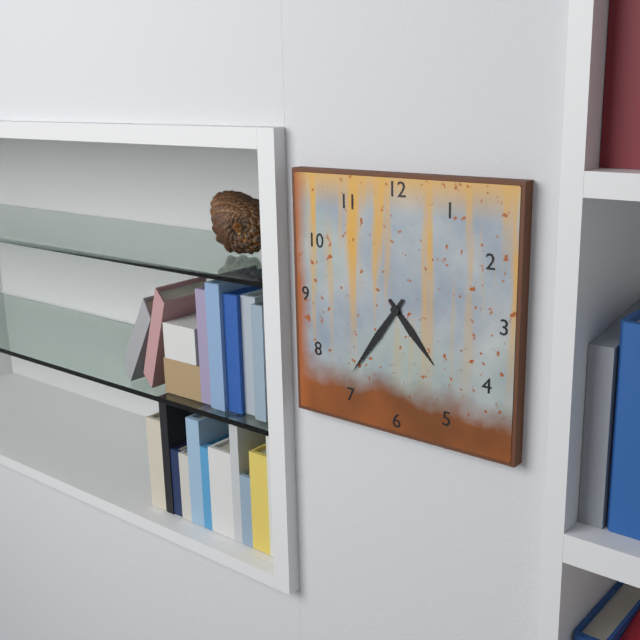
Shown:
4 h 36 min
